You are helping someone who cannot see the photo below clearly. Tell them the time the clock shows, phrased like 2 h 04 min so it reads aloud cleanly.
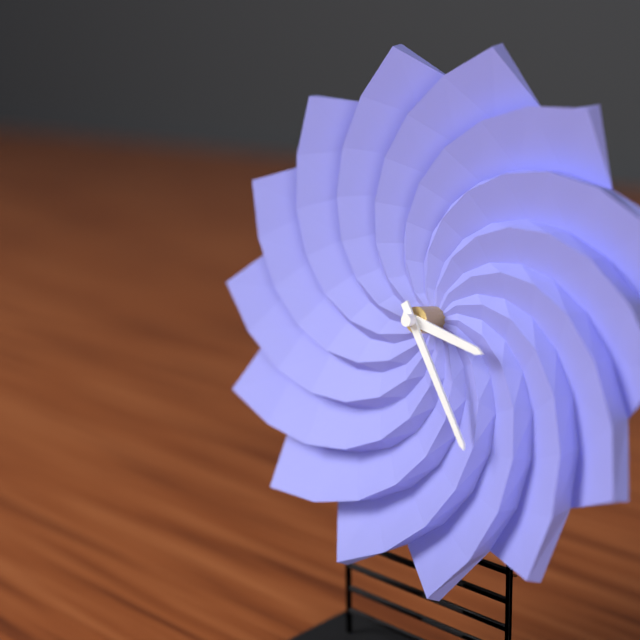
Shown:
3 h 24 min
